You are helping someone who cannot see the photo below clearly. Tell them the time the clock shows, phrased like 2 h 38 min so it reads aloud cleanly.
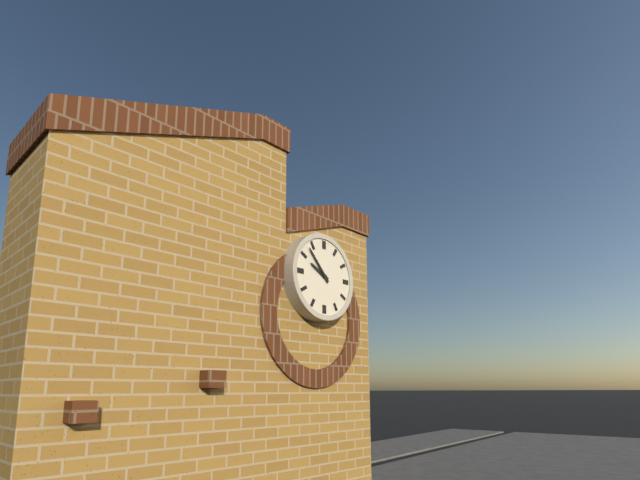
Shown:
9 h 53 min
